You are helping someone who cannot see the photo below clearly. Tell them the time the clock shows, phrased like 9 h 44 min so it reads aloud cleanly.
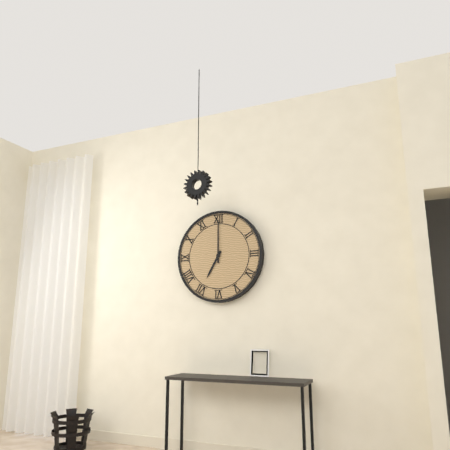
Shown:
7 h 00 min
